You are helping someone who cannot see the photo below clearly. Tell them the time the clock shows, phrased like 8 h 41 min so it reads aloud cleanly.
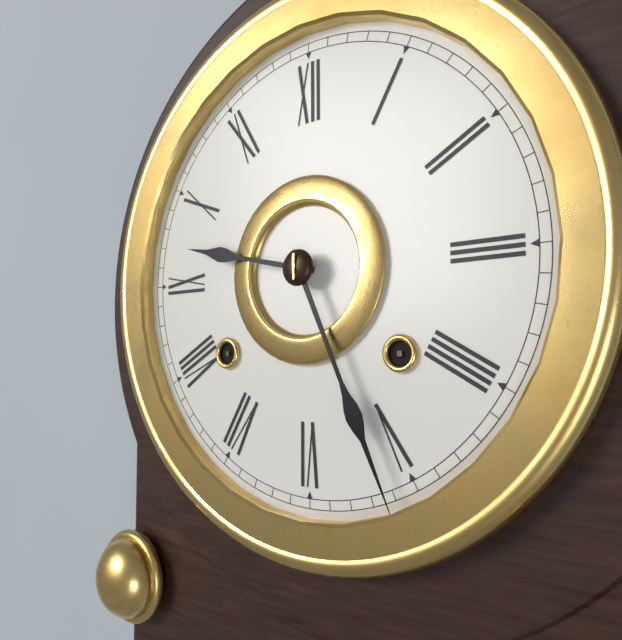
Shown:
9 h 26 min
